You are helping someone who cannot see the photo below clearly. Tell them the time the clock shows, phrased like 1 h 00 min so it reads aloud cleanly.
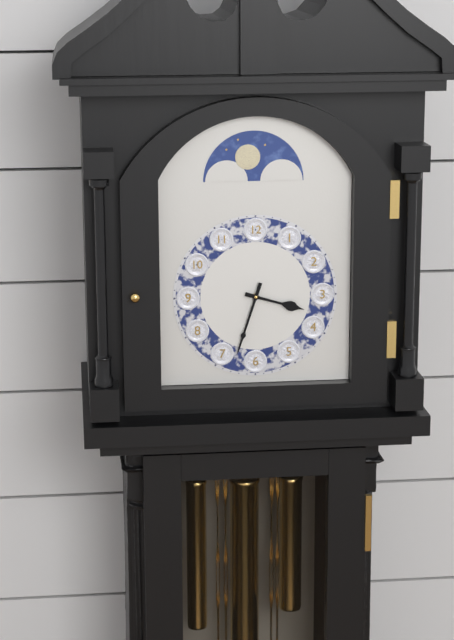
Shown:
3 h 33 min
